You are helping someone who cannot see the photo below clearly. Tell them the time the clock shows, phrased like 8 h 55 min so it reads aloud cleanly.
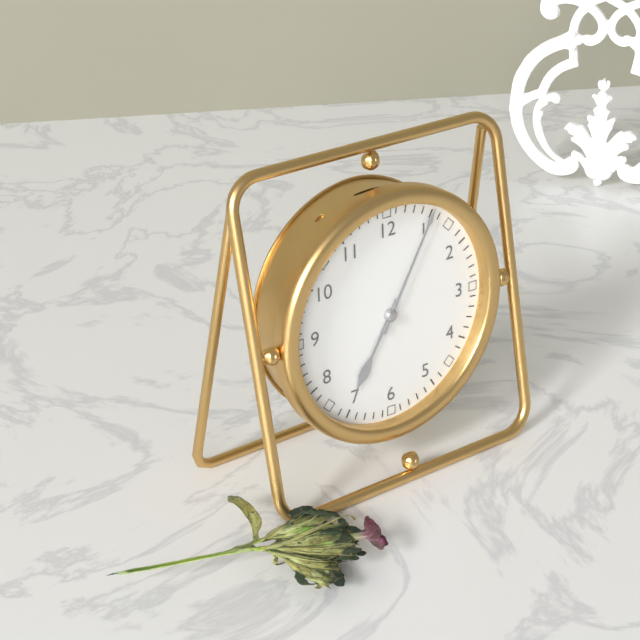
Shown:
7 h 05 min
